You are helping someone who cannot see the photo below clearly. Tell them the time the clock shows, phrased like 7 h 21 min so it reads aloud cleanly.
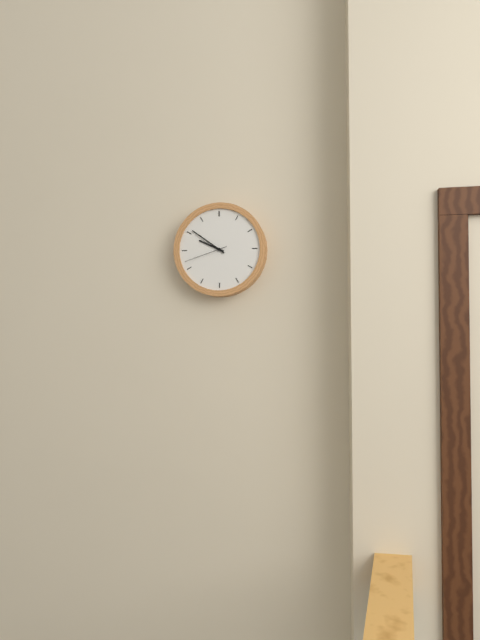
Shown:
9 h 51 min
